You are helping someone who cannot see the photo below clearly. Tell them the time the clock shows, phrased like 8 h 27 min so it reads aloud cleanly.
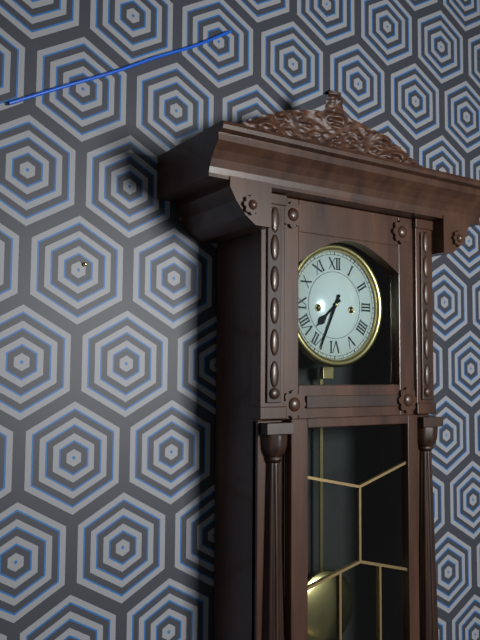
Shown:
7 h 34 min
